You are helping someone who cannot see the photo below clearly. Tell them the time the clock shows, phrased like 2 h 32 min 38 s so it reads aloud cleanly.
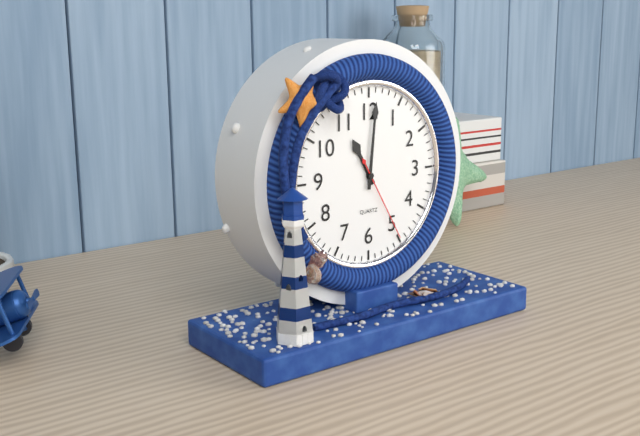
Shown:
11 h 01 min 25 s
